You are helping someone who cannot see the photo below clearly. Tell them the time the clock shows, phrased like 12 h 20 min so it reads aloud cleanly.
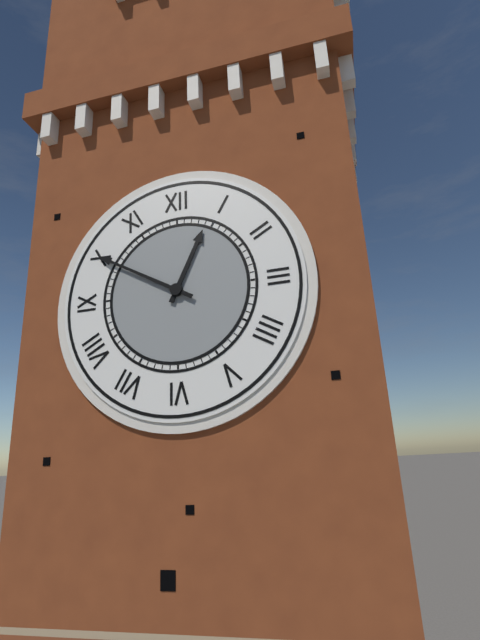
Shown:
12 h 50 min
